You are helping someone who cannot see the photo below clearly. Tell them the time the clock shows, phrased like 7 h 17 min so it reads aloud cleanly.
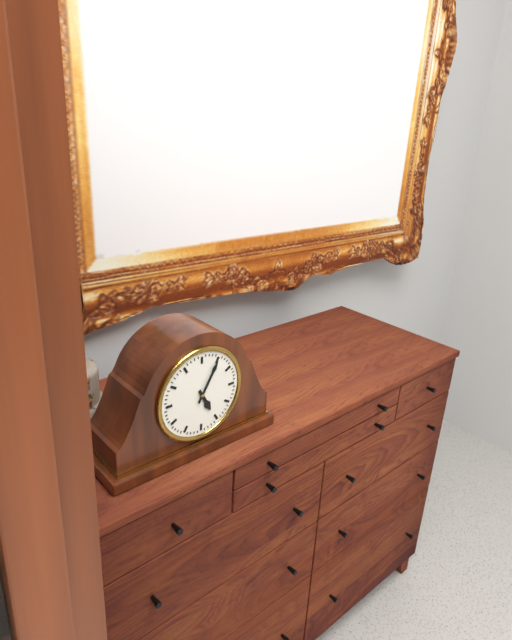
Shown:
5 h 05 min
